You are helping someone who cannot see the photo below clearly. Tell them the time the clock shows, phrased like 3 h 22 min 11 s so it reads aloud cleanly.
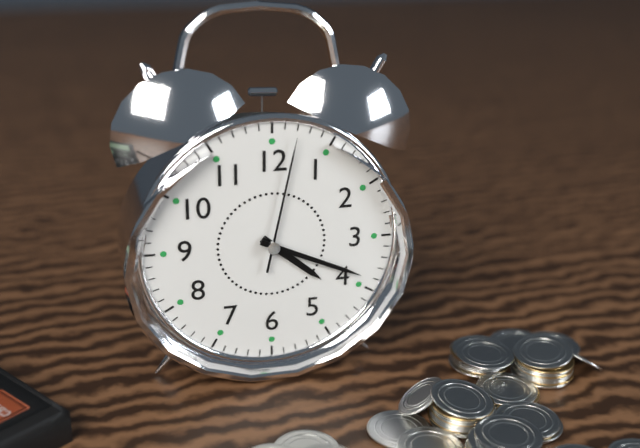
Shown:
4 h 19 min 02 s
